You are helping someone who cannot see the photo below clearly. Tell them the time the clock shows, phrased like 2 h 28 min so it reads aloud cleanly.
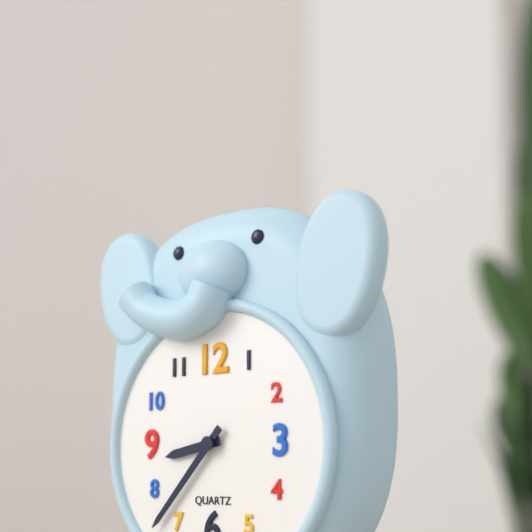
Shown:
8 h 37 min
